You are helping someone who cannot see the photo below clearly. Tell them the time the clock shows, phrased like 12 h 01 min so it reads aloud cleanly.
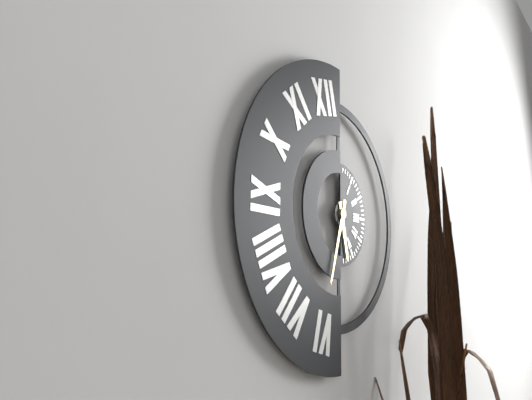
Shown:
5 h 33 min
